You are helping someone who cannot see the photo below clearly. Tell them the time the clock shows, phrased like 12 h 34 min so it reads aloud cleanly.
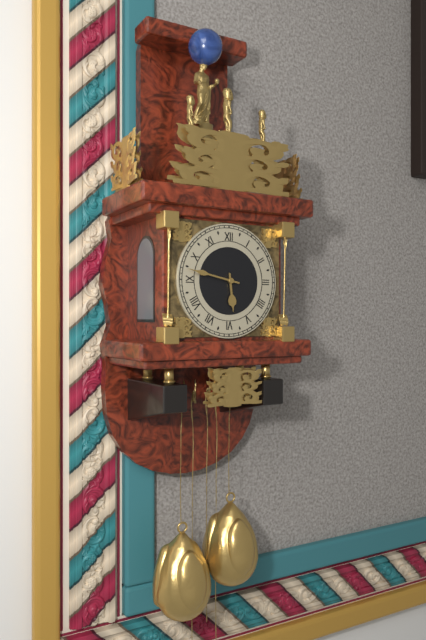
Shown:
5 h 47 min
